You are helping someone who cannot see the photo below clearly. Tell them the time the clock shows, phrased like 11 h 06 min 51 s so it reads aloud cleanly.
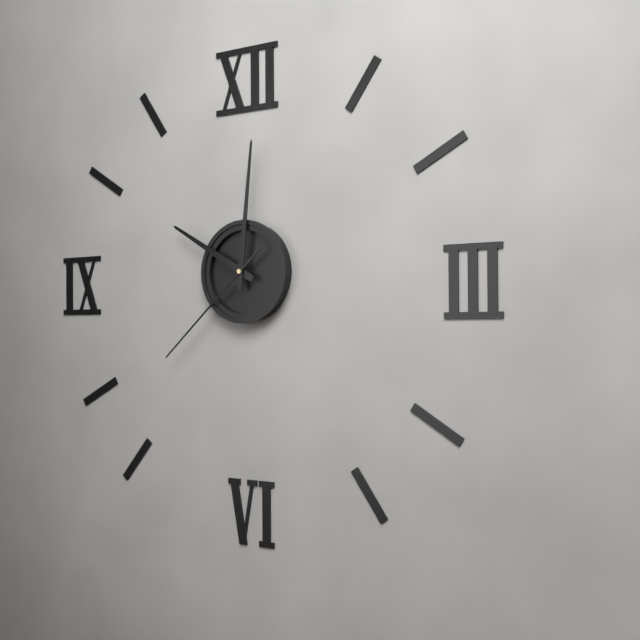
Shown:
10 h 01 min 38 s
